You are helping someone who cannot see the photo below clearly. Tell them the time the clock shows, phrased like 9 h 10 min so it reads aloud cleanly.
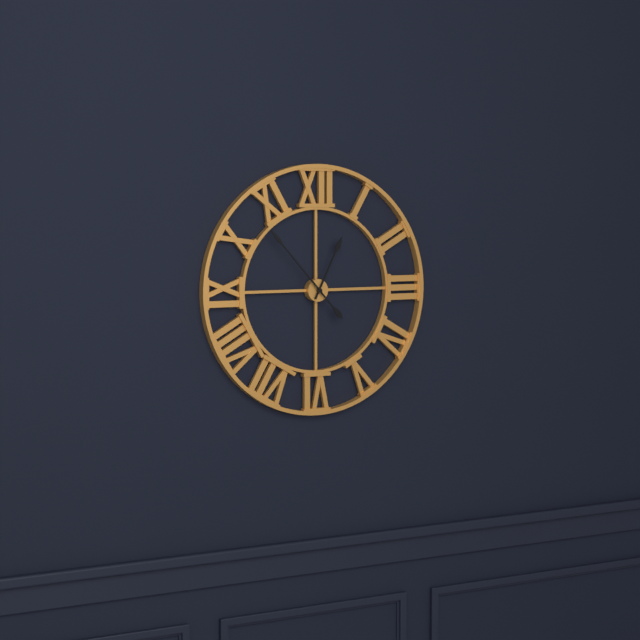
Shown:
12 h 53 min
